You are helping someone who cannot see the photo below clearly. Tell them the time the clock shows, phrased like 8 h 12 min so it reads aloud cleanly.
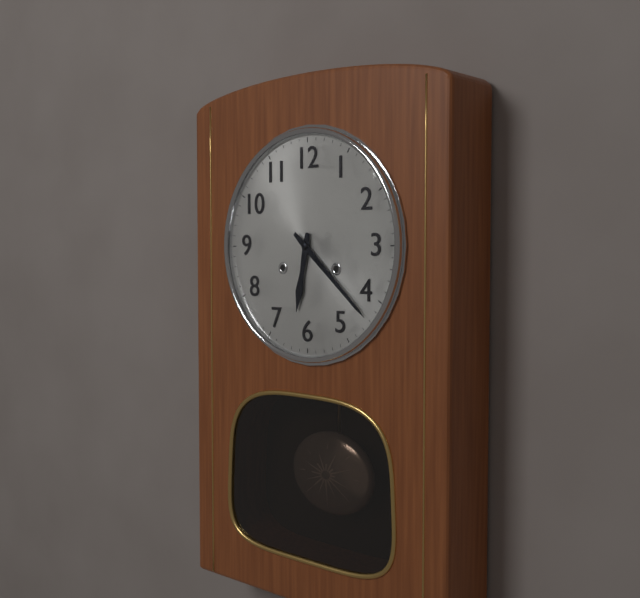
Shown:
6 h 22 min
